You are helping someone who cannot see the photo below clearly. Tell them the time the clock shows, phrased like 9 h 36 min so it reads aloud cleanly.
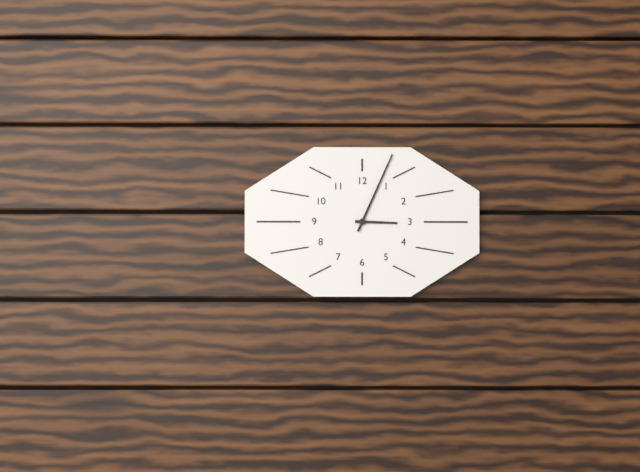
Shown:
3 h 04 min
